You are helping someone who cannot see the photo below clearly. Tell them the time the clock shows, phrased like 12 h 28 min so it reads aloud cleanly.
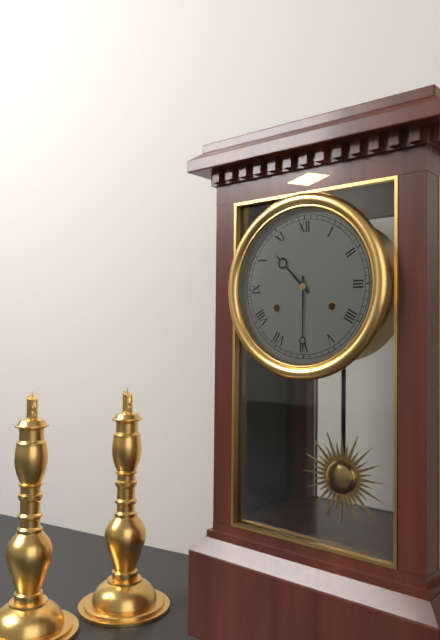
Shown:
10 h 30 min
